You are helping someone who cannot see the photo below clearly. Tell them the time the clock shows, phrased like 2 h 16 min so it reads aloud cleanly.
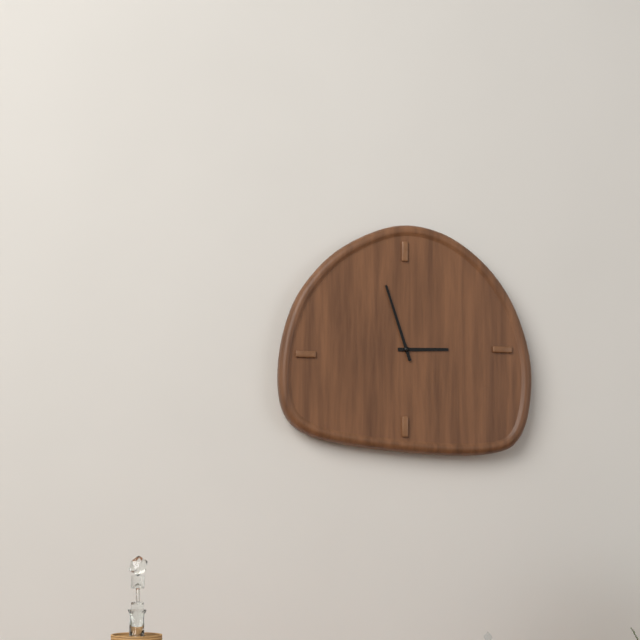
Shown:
2 h 57 min
